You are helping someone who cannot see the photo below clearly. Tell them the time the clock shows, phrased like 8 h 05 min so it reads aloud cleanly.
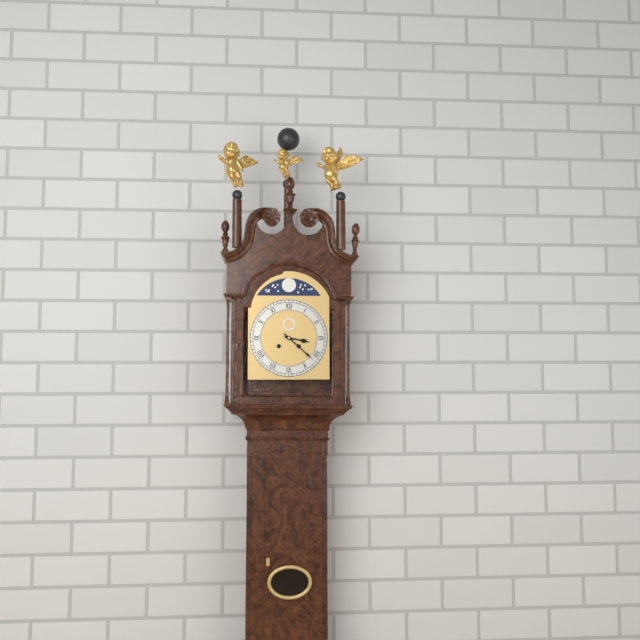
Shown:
3 h 22 min
